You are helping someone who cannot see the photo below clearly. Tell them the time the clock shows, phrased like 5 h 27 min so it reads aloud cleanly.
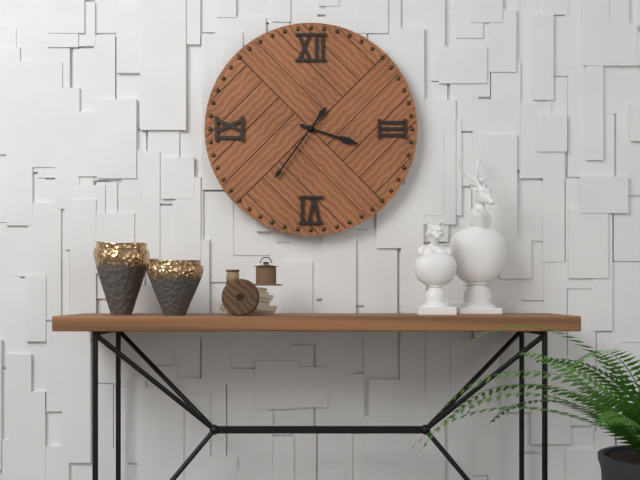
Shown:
3 h 36 min
